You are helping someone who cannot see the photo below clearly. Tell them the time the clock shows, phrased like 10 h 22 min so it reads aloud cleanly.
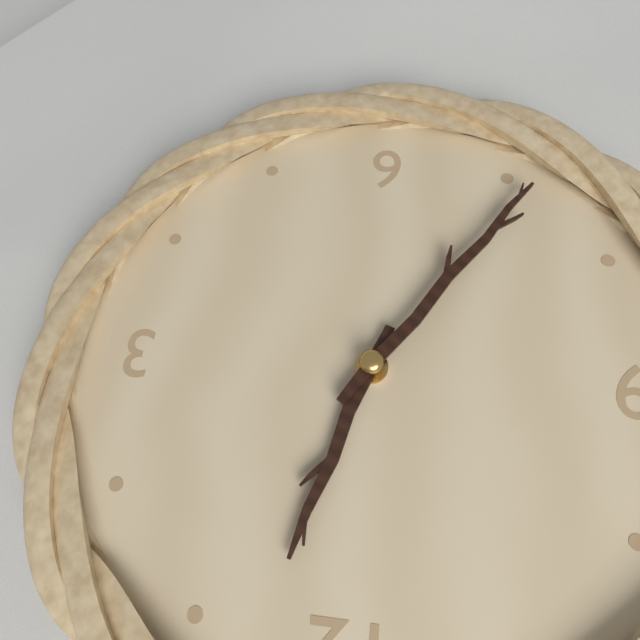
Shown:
12 h 36 min
